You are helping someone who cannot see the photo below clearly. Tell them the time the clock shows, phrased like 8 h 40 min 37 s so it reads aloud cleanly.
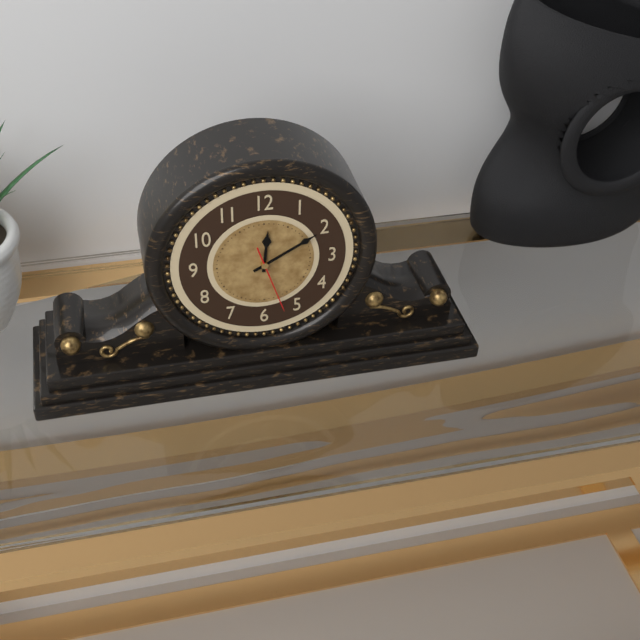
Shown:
12 h 10 min 27 s
